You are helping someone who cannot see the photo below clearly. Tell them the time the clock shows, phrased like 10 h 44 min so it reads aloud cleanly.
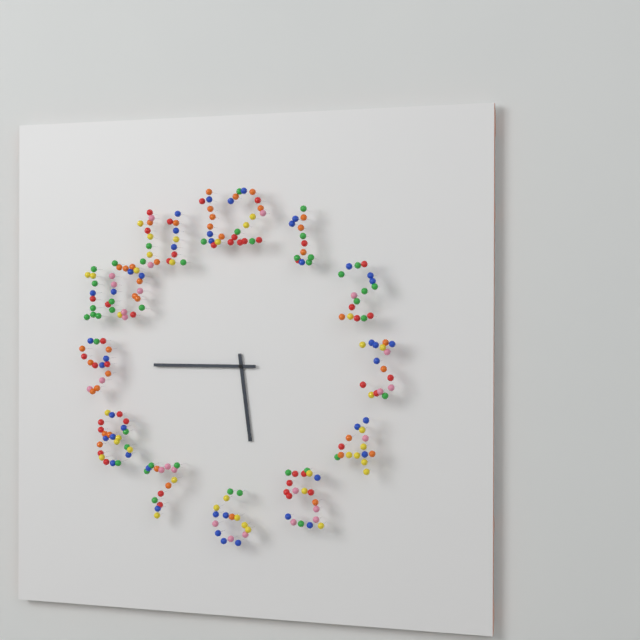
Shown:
5 h 45 min
